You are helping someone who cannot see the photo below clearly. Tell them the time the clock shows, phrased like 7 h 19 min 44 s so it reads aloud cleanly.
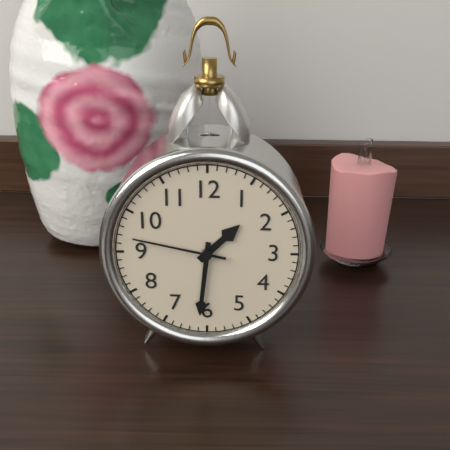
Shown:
1 h 31 min 47 s
